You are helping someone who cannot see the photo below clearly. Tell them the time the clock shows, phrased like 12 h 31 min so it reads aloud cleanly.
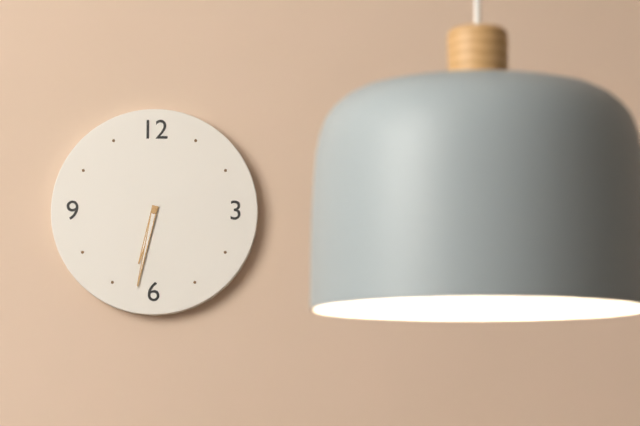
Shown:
6 h 32 min
